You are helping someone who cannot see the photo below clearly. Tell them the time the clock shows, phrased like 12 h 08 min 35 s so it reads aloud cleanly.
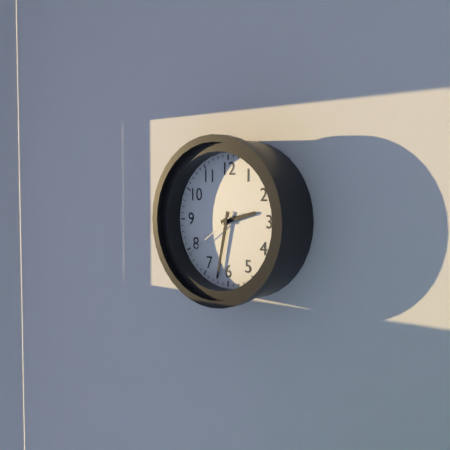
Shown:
2 h 32 min 39 s
